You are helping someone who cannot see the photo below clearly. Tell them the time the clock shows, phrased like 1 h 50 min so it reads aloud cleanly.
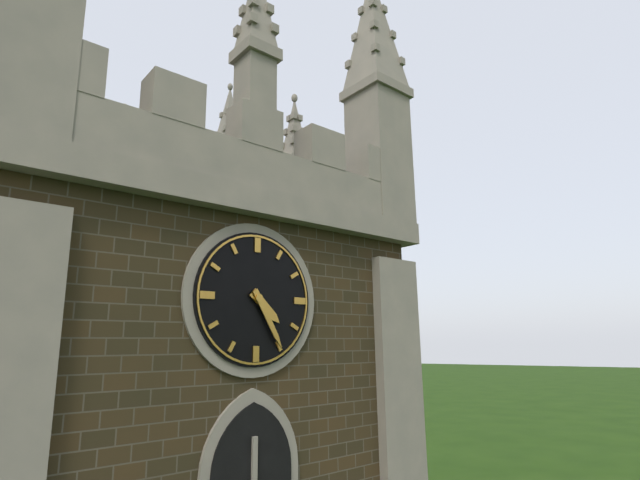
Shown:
4 h 25 min
